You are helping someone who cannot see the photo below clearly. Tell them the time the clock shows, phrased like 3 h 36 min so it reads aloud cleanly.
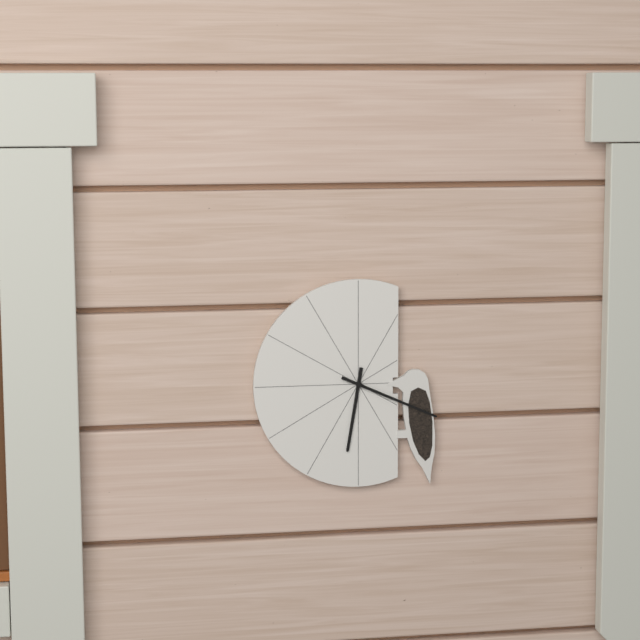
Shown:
6 h 19 min
